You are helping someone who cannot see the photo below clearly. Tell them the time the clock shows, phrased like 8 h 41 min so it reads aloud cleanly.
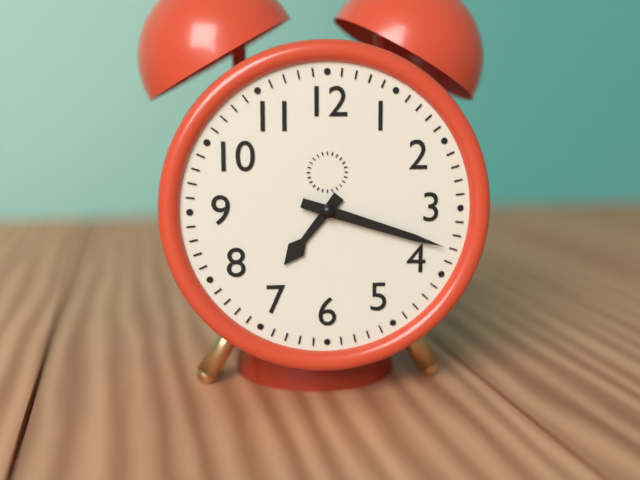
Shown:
7 h 18 min
